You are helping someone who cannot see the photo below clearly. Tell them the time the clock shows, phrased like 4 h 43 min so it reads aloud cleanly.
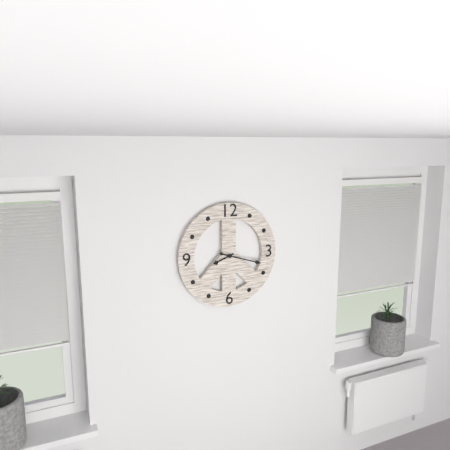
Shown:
8 h 18 min
